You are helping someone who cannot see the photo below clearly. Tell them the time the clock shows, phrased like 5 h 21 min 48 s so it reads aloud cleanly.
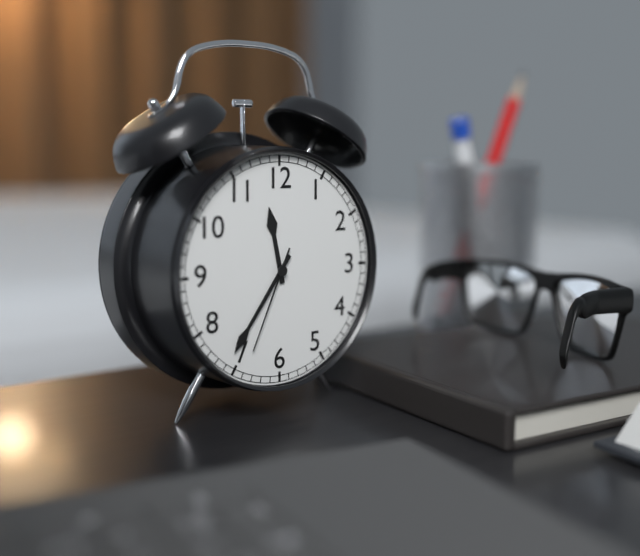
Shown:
11 h 36 min 34 s
